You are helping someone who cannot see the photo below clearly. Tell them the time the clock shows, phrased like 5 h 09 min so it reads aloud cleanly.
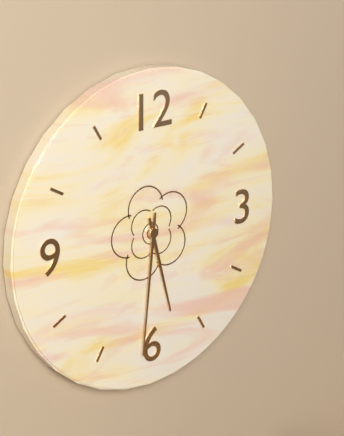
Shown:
5 h 31 min
